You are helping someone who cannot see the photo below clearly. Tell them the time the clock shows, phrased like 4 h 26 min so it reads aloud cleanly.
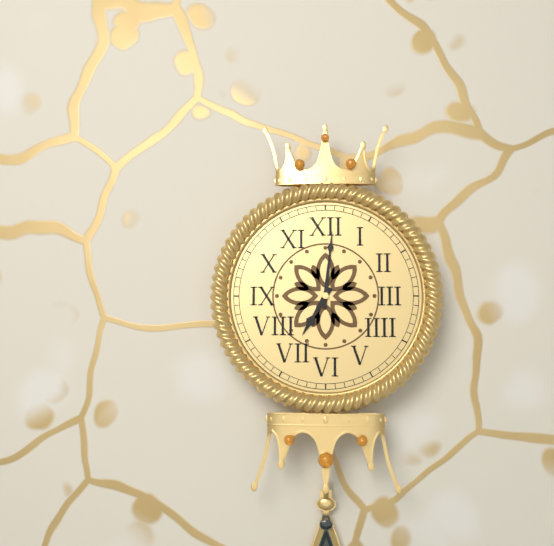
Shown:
7 h 01 min
